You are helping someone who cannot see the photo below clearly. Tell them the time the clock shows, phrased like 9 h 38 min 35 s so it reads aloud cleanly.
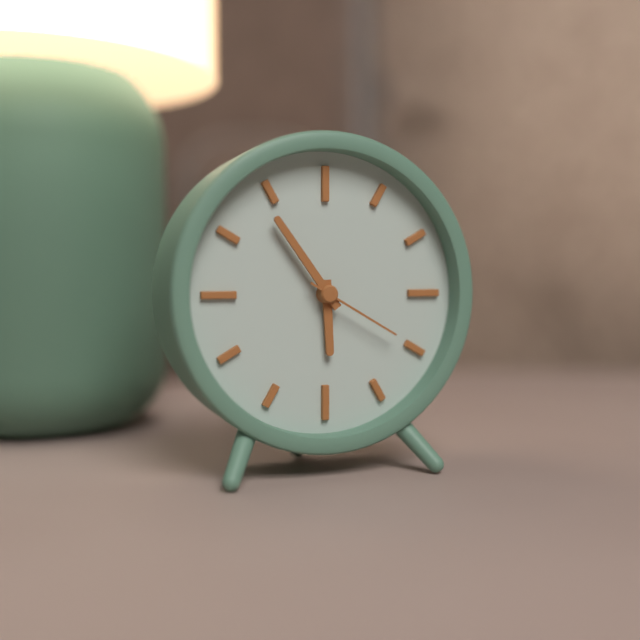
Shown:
5 h 54 min 20 s
